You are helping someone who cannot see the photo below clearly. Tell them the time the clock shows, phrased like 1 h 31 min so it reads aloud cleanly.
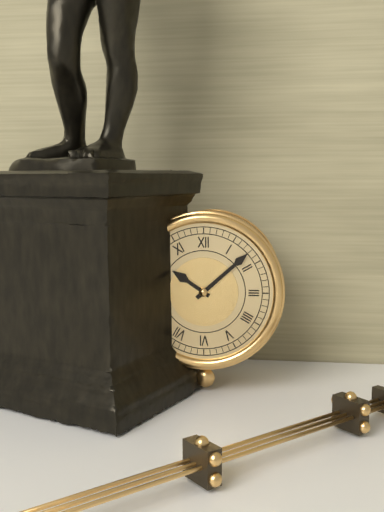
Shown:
10 h 08 min
